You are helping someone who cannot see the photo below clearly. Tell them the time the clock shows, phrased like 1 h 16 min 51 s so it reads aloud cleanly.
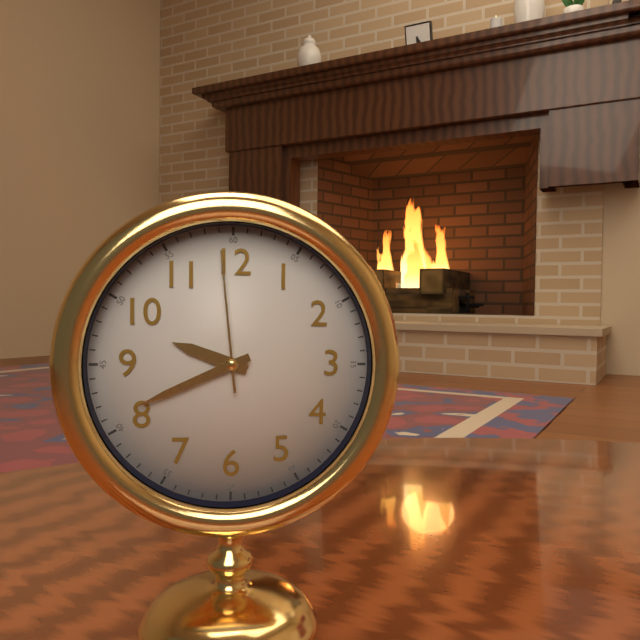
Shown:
9 h 41 min 59 s
